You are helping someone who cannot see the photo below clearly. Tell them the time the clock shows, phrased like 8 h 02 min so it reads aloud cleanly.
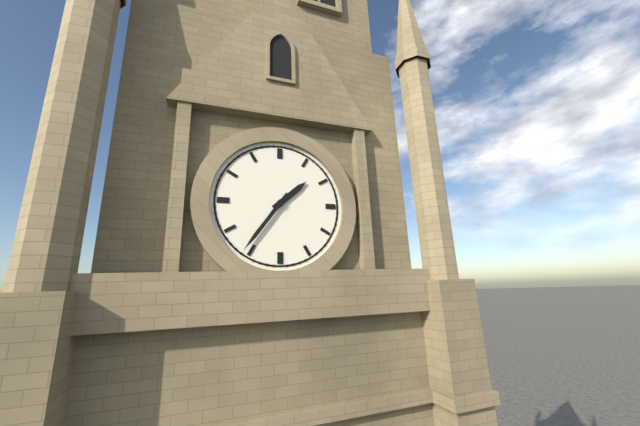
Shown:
1 h 36 min
